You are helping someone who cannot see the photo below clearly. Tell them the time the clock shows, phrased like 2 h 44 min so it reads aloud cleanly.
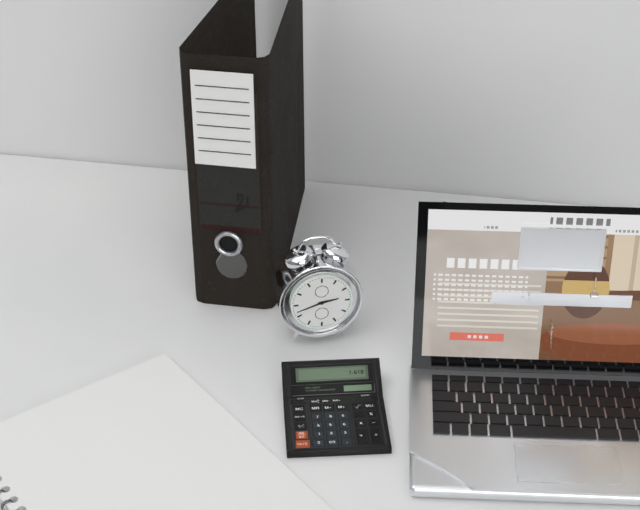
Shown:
2 h 42 min
